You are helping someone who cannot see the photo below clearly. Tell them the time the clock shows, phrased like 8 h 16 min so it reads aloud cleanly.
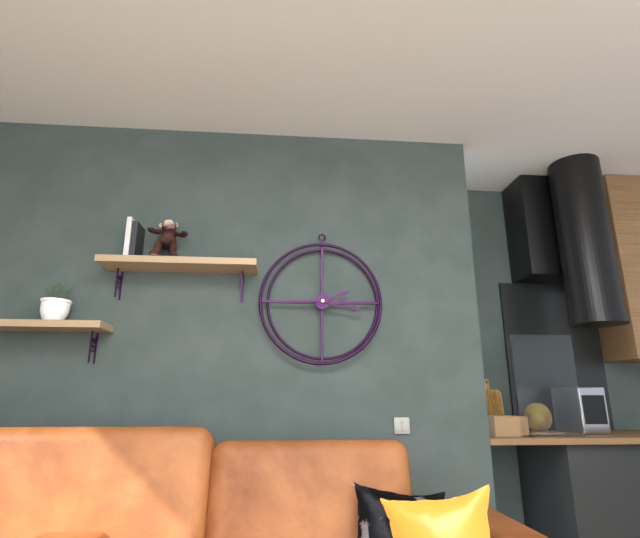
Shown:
2 h 17 min
